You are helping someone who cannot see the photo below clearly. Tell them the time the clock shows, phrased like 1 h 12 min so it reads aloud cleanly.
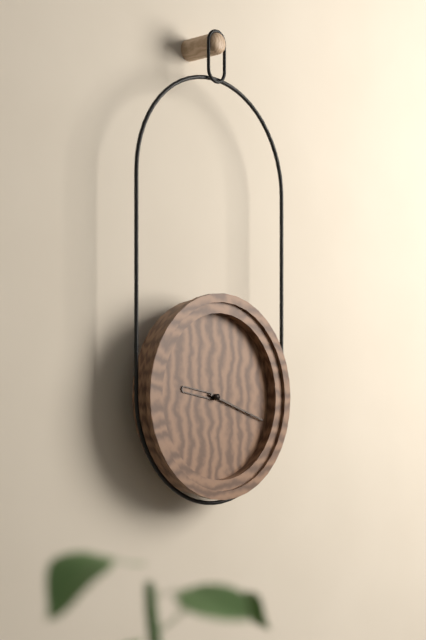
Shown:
9 h 18 min
